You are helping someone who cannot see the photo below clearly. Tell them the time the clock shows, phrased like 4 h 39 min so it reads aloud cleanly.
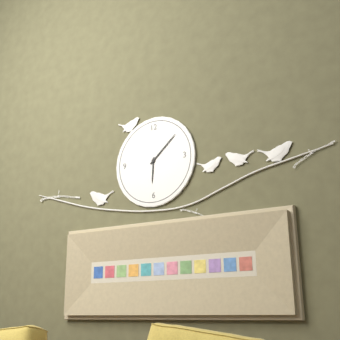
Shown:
6 h 08 min
